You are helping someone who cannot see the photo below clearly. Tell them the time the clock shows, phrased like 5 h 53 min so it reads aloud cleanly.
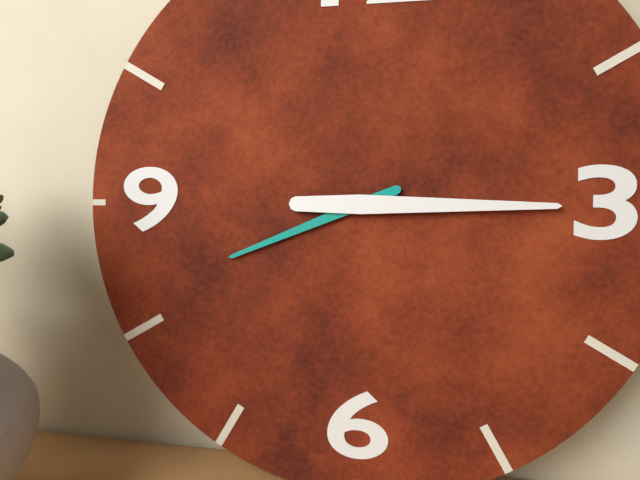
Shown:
8 h 15 min
